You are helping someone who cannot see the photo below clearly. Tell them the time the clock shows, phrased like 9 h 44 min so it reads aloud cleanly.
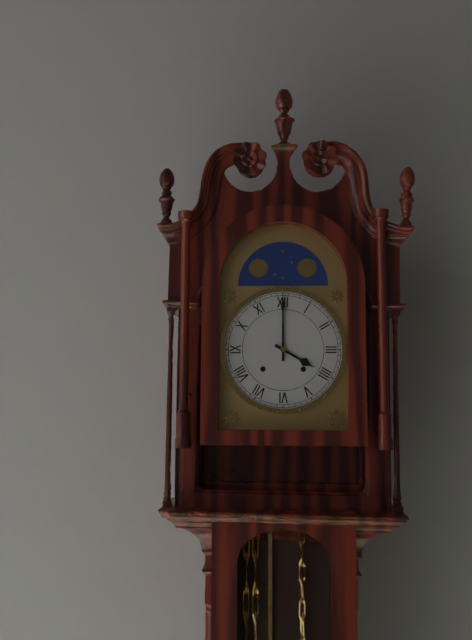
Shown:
4 h 00 min
